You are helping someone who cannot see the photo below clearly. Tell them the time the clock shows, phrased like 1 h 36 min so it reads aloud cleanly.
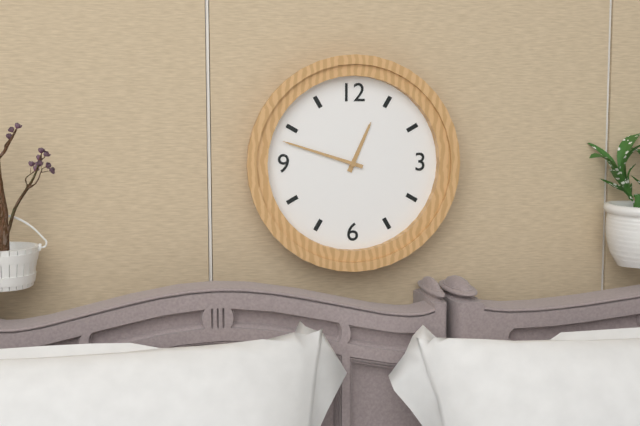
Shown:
12 h 48 min
